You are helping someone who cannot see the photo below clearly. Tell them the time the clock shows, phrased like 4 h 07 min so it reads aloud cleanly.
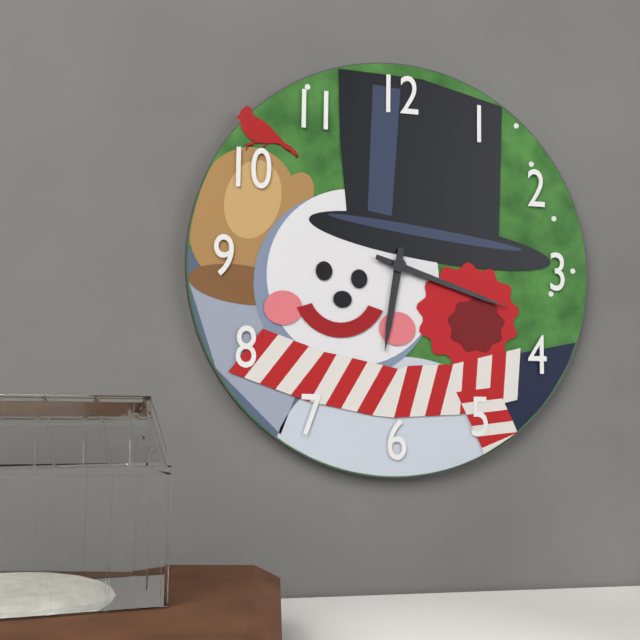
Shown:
6 h 18 min
